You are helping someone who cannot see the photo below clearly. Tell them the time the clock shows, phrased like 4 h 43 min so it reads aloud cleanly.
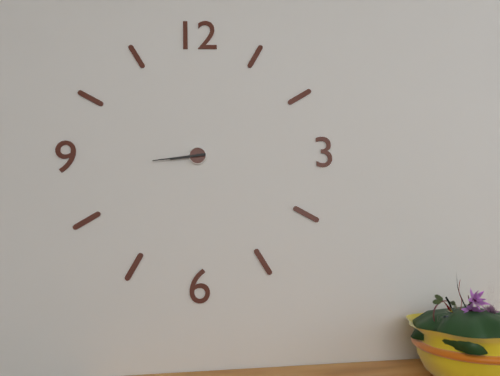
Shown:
8 h 44 min
